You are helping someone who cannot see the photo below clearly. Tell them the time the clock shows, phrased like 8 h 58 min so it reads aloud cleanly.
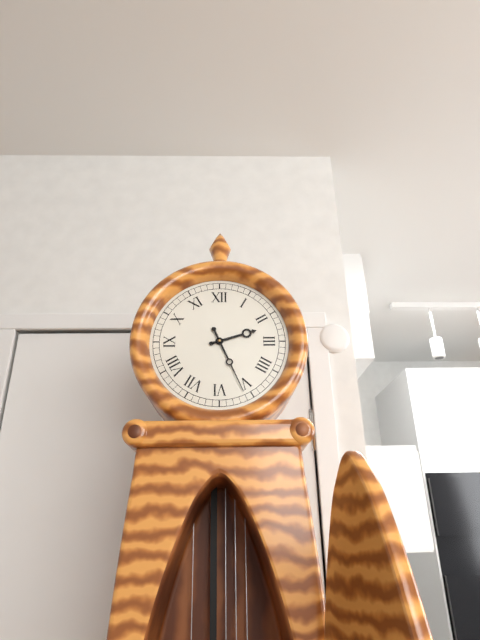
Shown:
2 h 26 min
